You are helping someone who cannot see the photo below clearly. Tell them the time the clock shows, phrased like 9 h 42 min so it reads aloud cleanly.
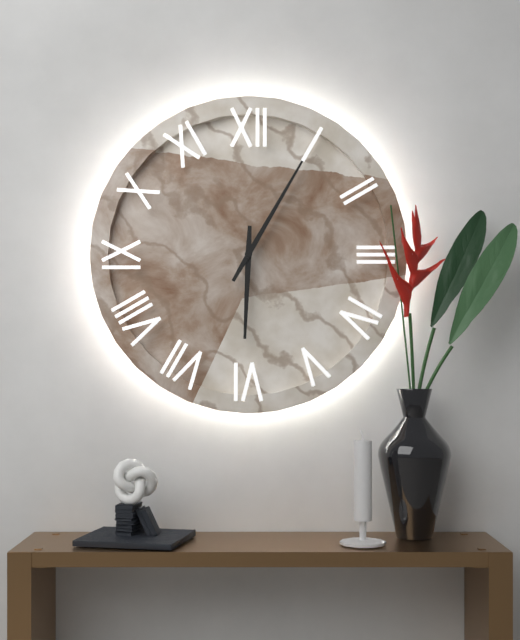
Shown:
6 h 05 min
